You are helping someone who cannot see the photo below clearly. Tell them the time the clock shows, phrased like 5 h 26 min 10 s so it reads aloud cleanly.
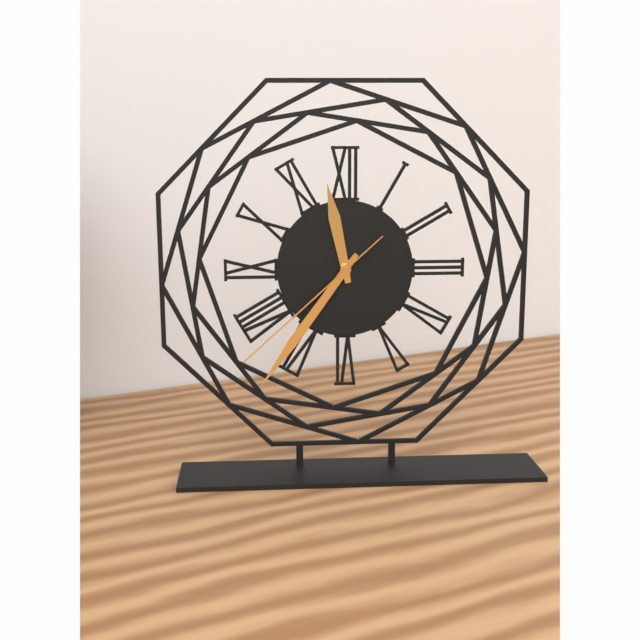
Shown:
11 h 36 min 38 s
